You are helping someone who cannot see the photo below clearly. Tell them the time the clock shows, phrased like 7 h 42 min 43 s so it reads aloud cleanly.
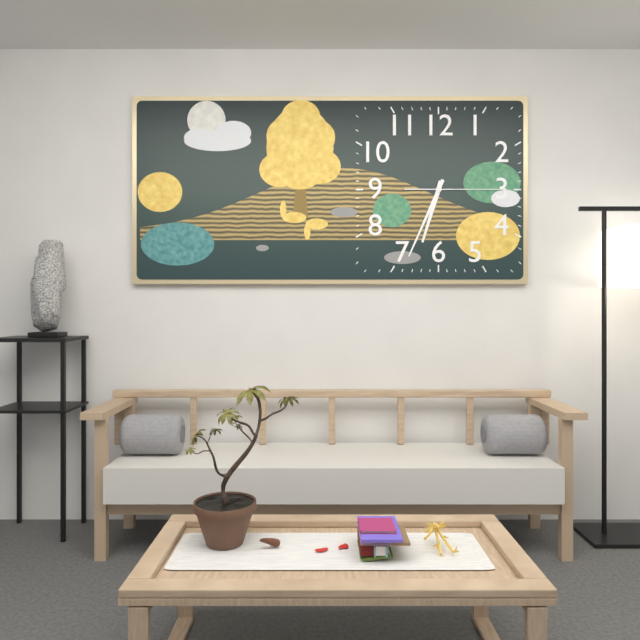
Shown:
6 h 34 min 15 s
